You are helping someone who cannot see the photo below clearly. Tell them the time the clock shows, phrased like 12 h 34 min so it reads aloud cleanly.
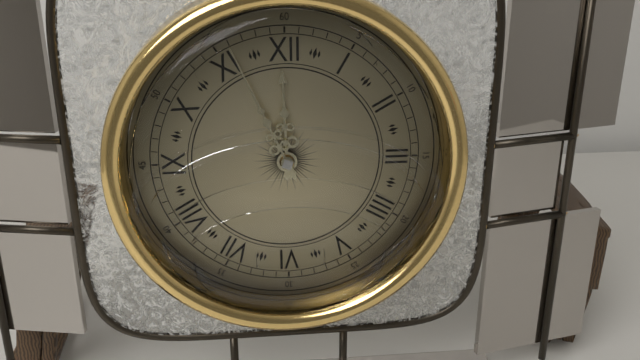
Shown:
11 h 56 min
